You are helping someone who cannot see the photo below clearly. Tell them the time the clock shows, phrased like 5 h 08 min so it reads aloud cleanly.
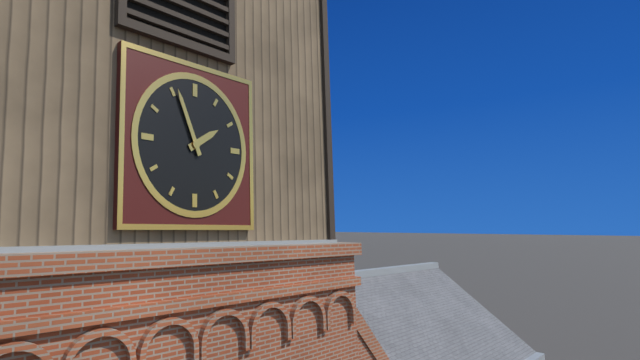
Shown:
1 h 56 min
